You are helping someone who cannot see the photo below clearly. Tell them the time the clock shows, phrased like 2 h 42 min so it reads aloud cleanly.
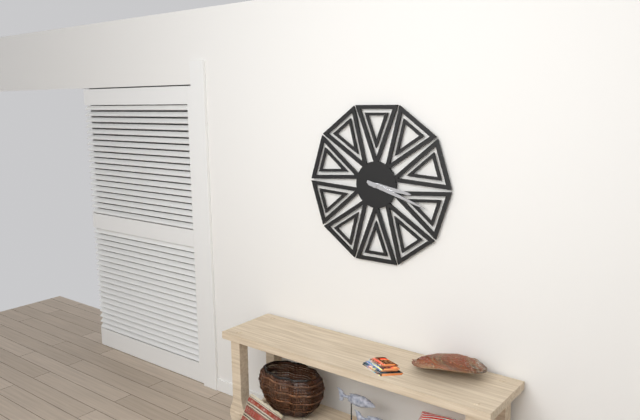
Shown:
3 h 18 min
